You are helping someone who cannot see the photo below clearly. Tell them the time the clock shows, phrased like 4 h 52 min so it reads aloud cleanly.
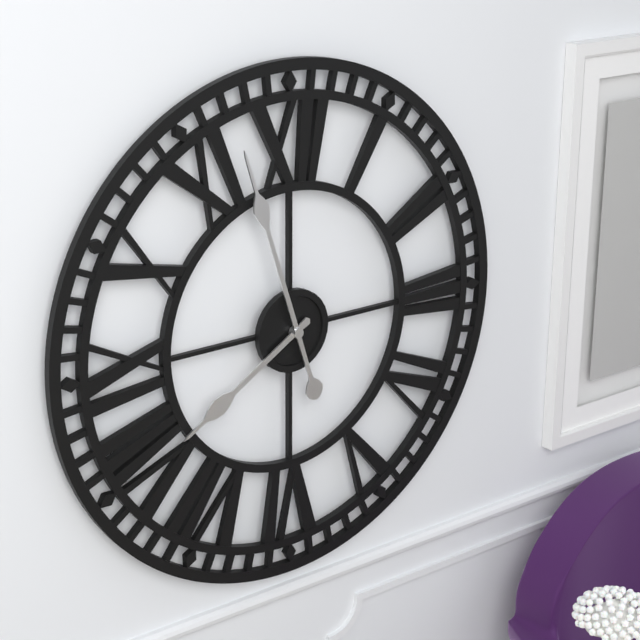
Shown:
7 h 57 min
